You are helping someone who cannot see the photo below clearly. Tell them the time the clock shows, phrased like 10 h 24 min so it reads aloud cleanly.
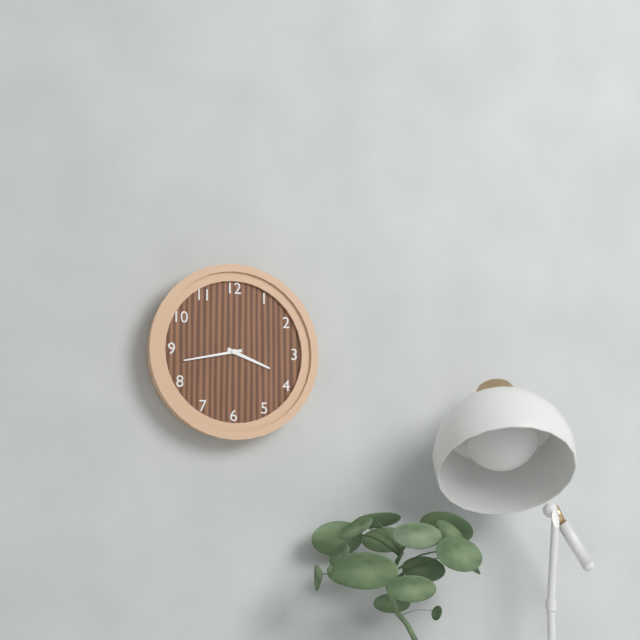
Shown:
3 h 43 min
